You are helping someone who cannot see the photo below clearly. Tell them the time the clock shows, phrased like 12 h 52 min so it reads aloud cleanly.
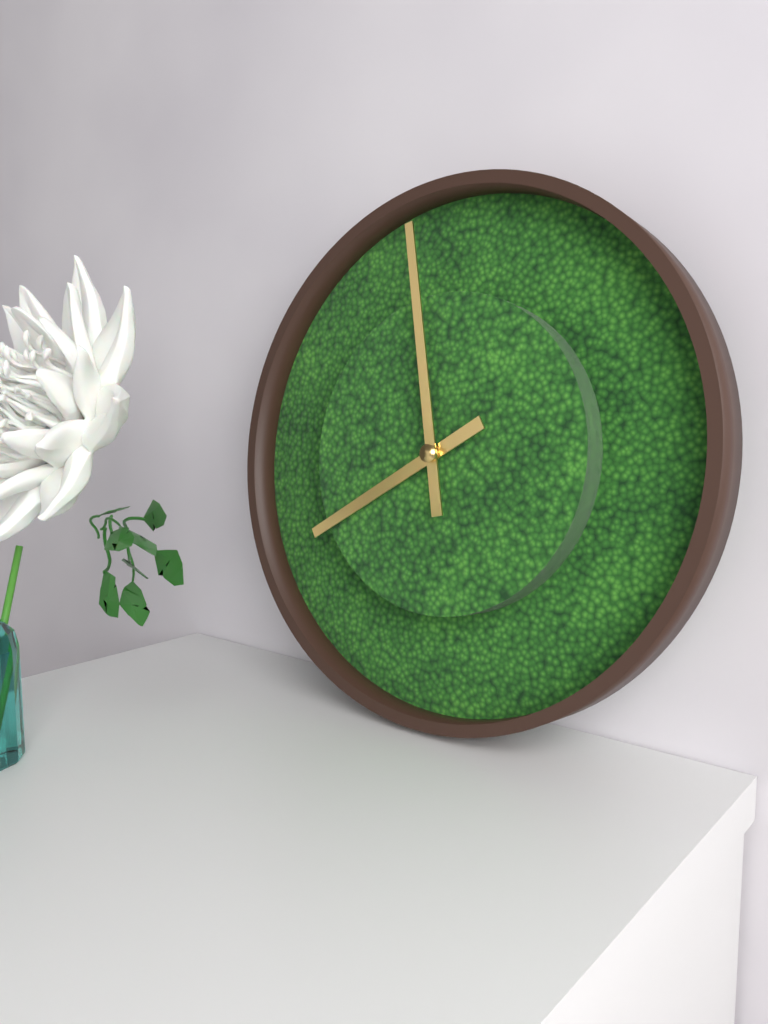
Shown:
7 h 58 min
